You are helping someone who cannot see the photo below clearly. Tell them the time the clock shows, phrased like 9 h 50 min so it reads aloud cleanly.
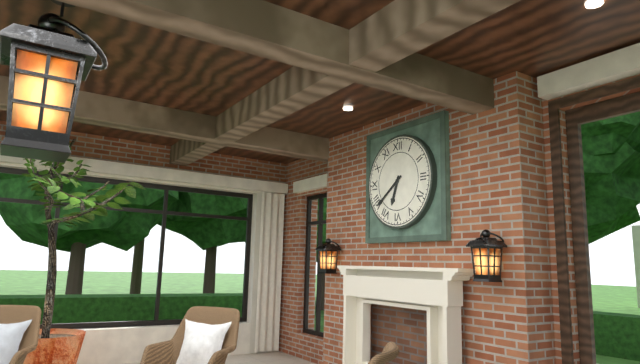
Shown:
6 h 39 min
